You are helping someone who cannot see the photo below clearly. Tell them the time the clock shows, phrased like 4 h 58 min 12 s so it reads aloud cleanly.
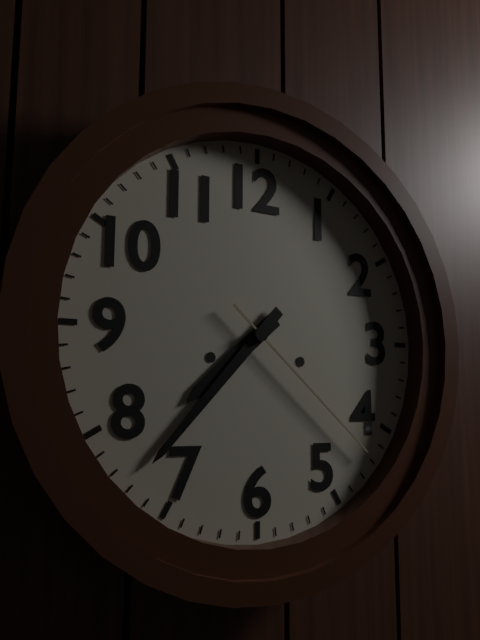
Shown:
7 h 37 min 22 s
